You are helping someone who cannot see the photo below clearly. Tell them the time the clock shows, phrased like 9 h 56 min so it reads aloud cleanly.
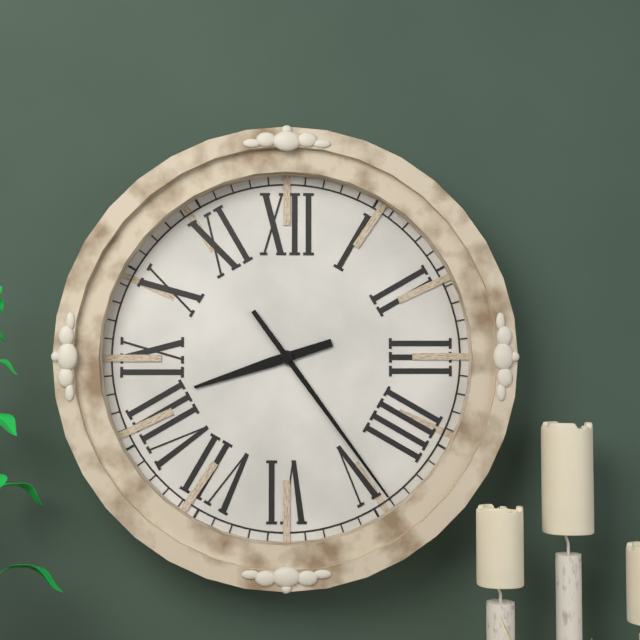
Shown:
8 h 24 min
